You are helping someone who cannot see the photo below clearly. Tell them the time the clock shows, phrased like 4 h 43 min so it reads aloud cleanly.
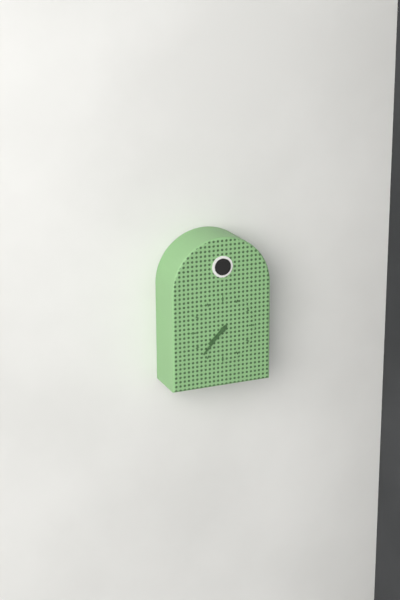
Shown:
7 h 37 min
